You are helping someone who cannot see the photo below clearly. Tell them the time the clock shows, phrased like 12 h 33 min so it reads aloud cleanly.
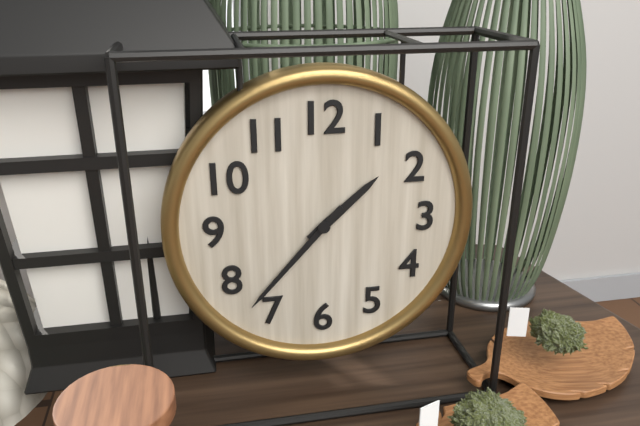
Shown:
1 h 37 min
